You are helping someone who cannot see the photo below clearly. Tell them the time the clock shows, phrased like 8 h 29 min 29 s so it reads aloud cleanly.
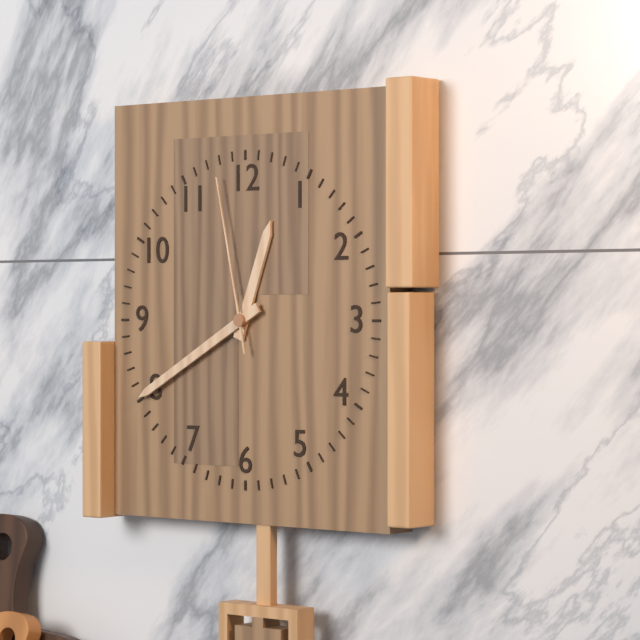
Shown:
12 h 40 min 58 s
